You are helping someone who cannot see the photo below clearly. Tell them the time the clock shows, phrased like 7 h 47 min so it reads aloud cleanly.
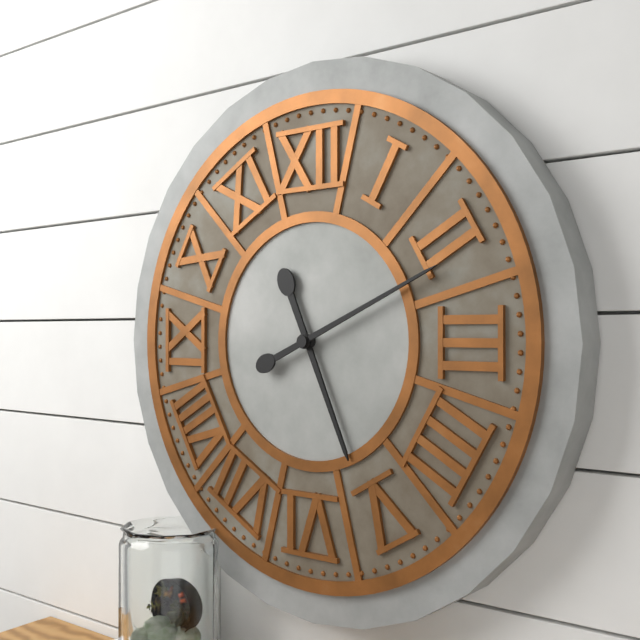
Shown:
5 h 11 min
